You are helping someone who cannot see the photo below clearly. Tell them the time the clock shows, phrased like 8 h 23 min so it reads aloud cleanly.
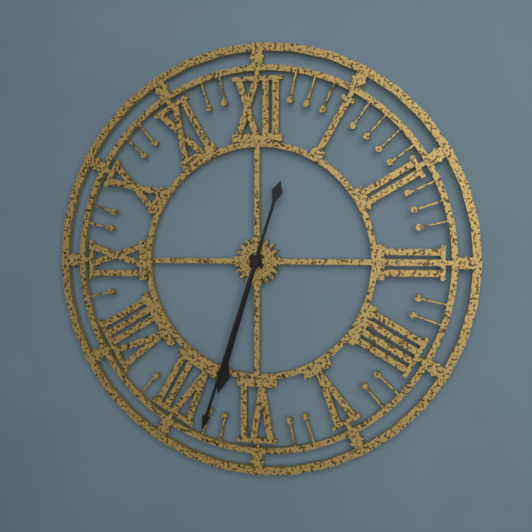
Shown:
6 h 33 min
